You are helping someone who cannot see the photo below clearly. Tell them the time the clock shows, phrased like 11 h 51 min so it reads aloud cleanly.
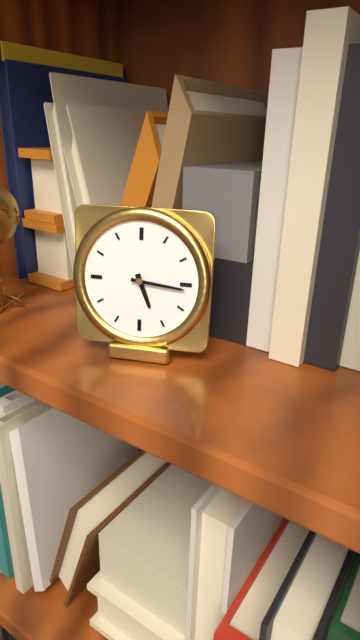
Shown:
5 h 16 min
